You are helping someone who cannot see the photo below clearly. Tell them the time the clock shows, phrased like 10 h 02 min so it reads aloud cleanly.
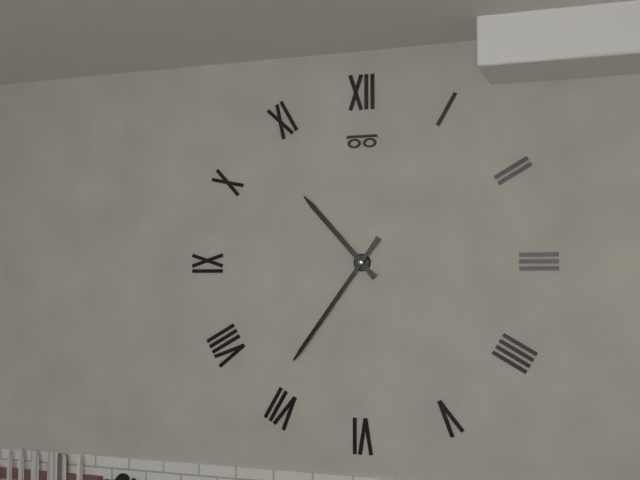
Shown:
10 h 36 min
